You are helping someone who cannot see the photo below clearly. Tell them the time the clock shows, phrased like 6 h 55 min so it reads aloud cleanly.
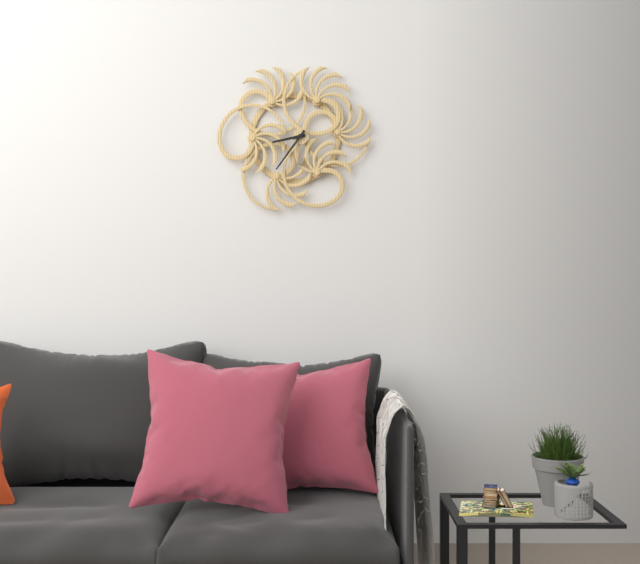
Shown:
8 h 36 min
